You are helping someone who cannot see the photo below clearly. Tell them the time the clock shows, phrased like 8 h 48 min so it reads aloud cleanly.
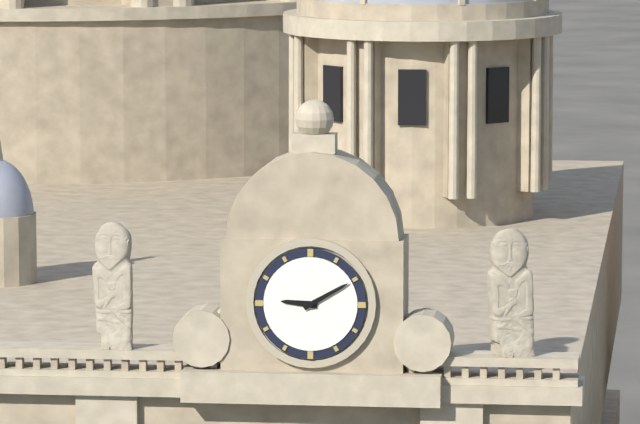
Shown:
9 h 10 min
